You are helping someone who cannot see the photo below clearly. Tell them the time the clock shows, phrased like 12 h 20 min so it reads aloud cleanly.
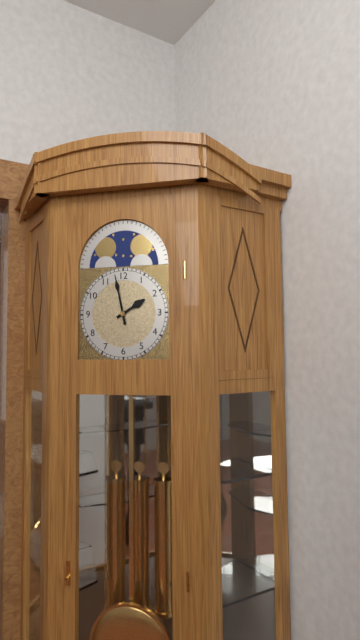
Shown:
1 h 58 min
